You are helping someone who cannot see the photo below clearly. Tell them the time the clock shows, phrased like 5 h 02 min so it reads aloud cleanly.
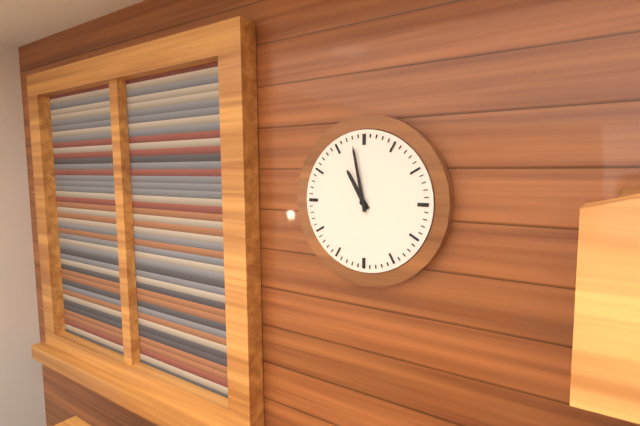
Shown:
10 h 58 min
